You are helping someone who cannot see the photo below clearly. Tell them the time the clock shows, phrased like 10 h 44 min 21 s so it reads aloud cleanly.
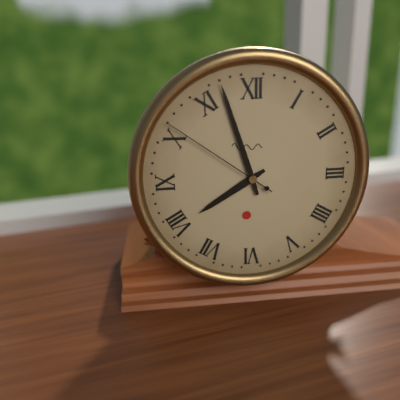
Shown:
7 h 57 min 51 s
